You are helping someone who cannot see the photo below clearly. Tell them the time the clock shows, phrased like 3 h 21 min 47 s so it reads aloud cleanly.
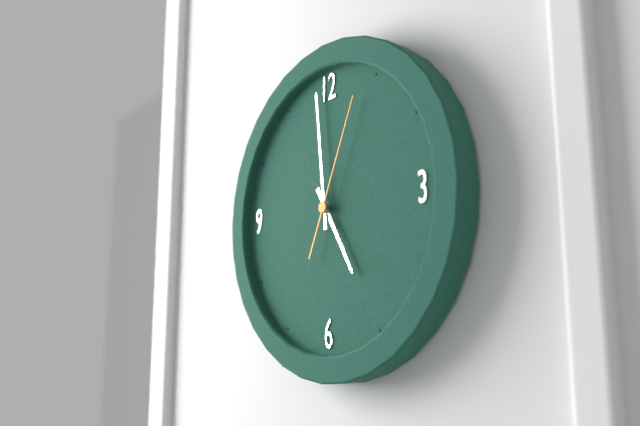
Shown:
4 h 59 min 04 s
